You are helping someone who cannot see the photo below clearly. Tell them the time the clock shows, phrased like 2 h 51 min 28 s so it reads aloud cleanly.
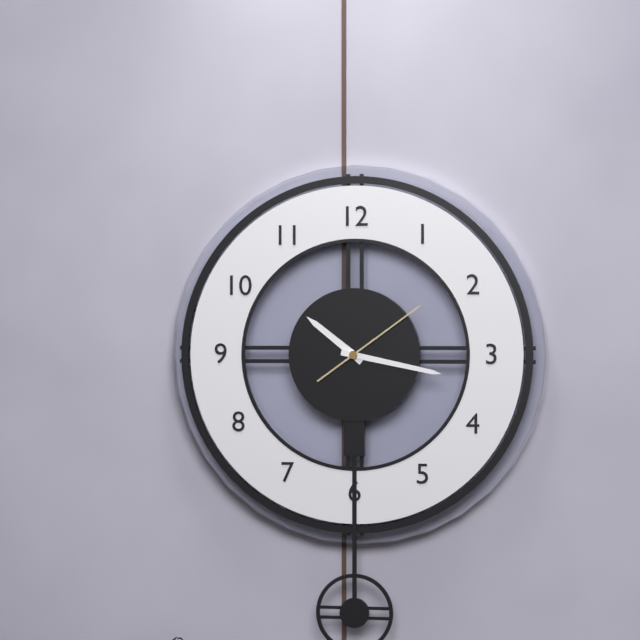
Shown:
10 h 17 min 09 s
